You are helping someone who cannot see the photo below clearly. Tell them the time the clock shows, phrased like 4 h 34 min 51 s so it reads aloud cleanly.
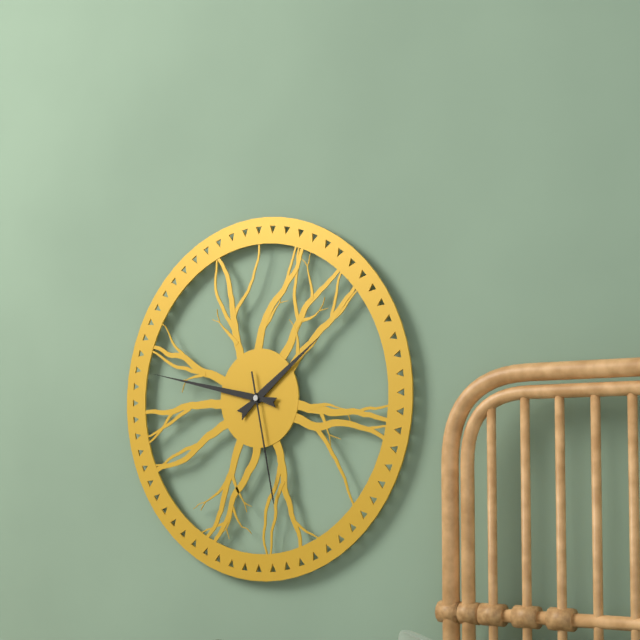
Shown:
1 h 47 min 28 s
